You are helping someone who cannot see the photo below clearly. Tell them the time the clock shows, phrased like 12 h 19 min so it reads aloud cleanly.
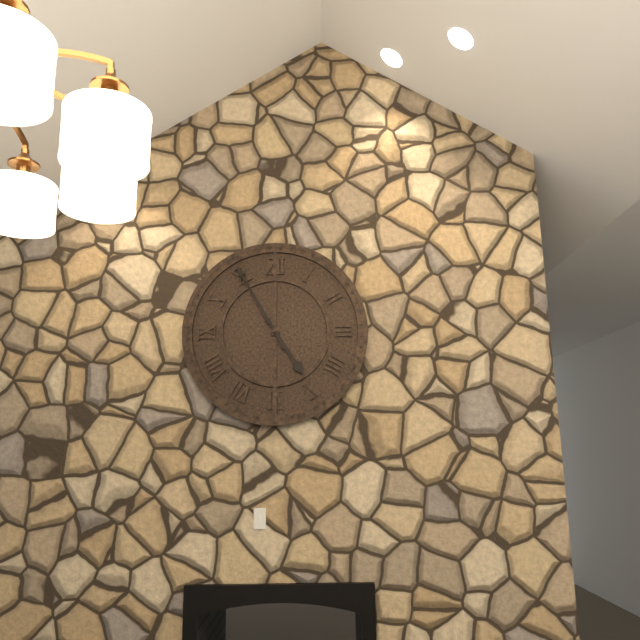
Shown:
4 h 55 min
